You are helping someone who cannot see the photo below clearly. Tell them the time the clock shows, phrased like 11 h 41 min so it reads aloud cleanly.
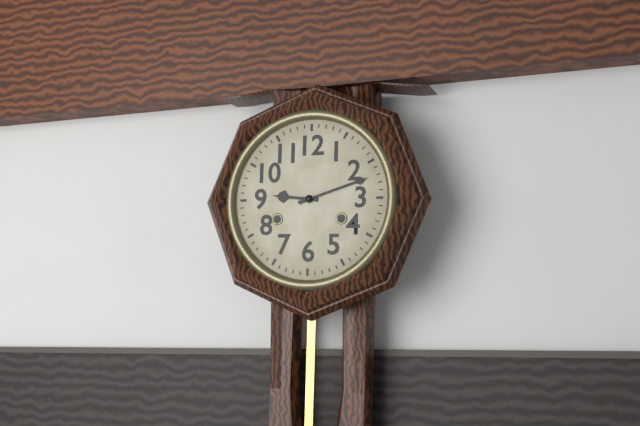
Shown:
9 h 12 min
